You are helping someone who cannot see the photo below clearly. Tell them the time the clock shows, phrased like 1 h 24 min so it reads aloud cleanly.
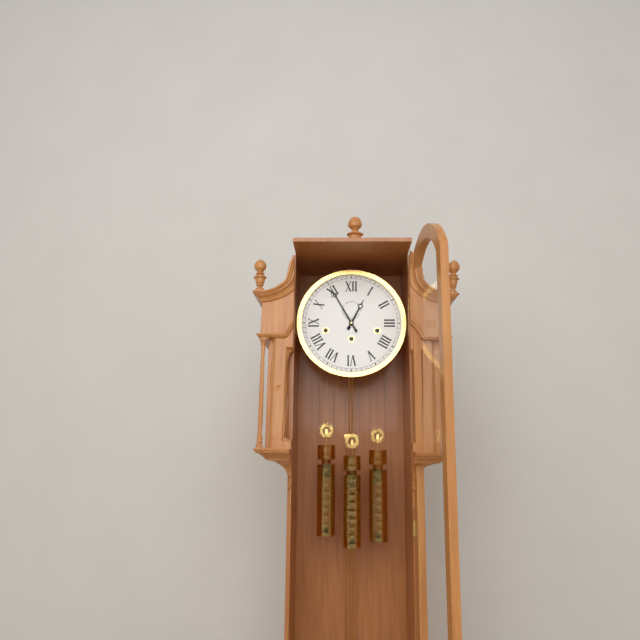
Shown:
12 h 55 min
